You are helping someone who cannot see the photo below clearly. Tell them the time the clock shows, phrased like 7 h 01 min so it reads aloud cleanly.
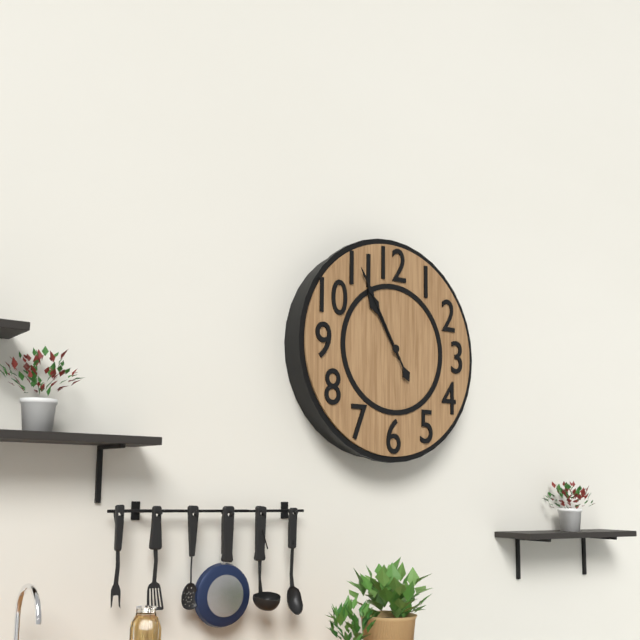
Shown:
10 h 55 min
